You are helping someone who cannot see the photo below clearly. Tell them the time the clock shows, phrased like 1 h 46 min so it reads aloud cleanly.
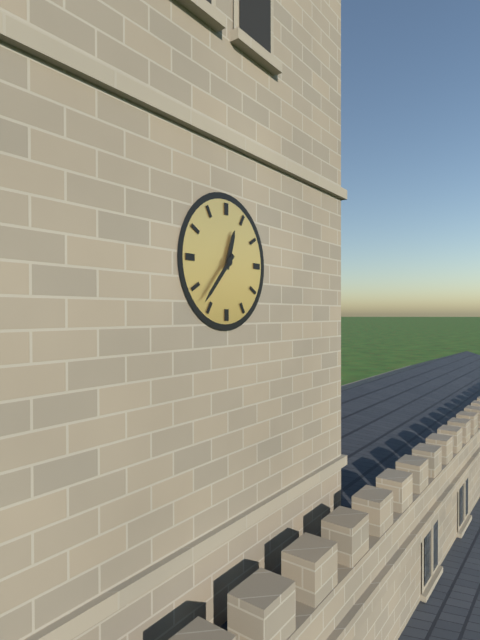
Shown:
12 h 37 min
